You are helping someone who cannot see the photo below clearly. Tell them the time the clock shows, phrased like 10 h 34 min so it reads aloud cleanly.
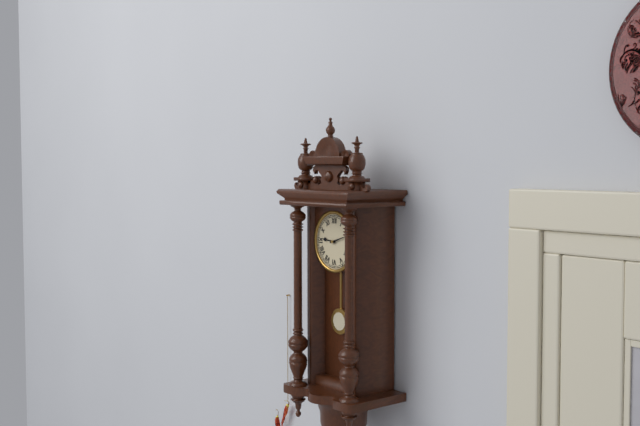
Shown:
9 h 12 min
